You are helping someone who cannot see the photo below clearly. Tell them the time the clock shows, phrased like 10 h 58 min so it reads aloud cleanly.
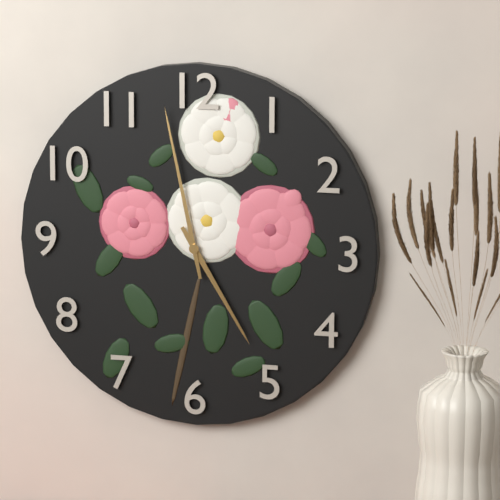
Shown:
4 h 58 min
